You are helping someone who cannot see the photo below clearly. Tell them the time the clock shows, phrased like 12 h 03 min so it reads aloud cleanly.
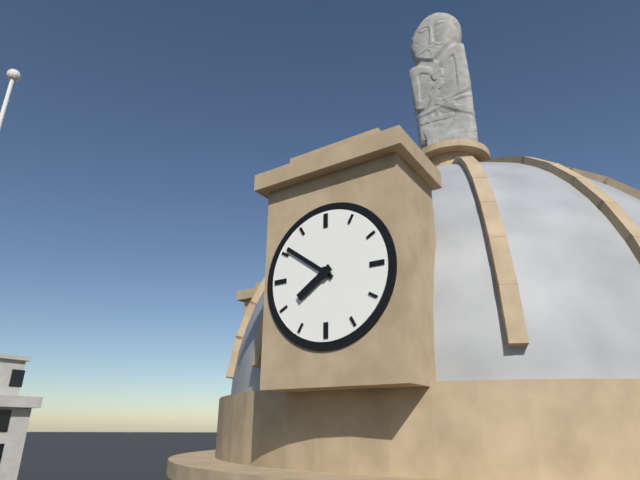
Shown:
7 h 51 min
